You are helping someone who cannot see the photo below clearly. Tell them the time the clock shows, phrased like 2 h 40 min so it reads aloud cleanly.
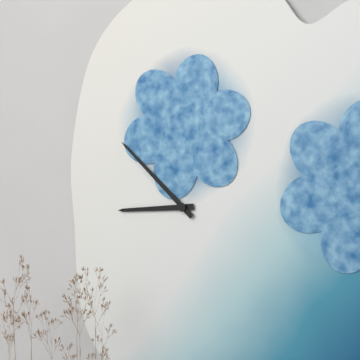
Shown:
8 h 52 min
